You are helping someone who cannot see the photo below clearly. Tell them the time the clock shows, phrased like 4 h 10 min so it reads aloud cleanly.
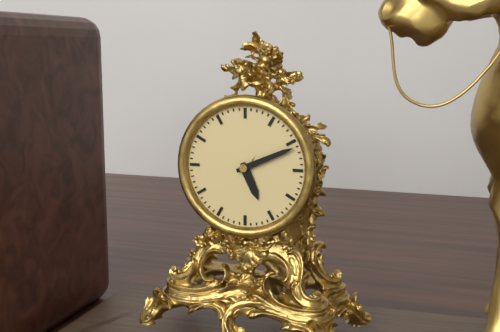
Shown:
5 h 11 min
